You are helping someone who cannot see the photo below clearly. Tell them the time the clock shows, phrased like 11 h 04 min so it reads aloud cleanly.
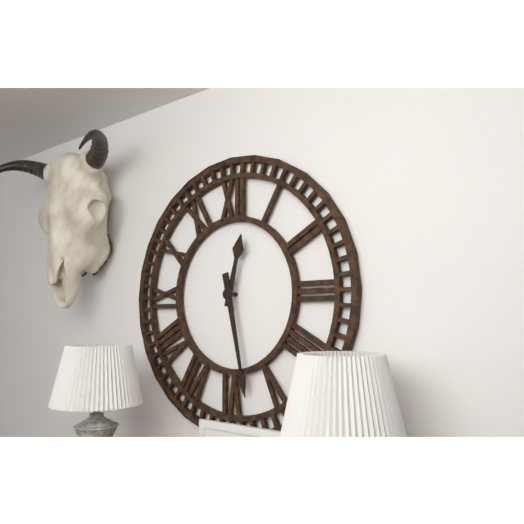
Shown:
12 h 28 min
